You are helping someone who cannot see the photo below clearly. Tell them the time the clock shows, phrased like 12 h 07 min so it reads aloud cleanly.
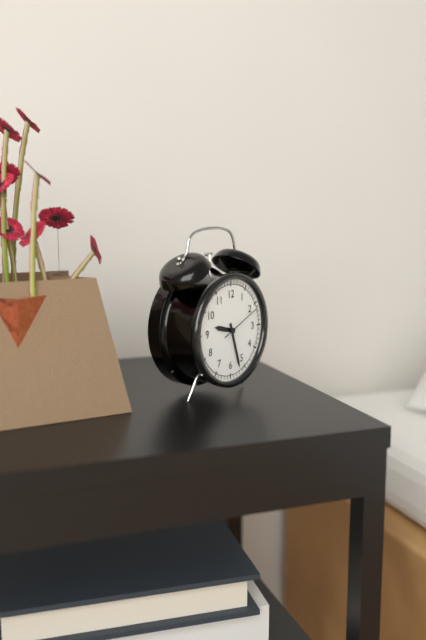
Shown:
9 h 27 min
